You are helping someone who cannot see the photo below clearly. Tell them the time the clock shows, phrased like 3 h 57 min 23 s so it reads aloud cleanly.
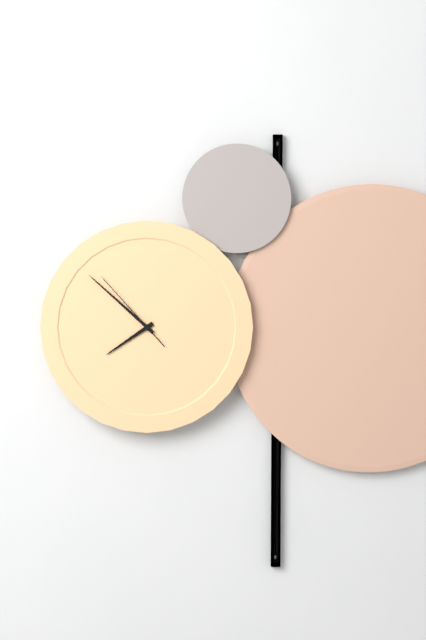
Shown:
7 h 52 min 53 s
